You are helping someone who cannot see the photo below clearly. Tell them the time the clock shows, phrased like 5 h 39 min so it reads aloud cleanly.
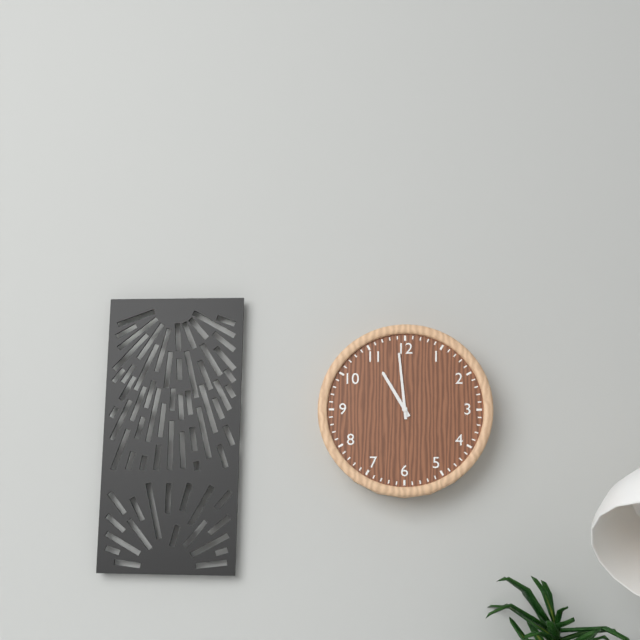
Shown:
10 h 59 min
